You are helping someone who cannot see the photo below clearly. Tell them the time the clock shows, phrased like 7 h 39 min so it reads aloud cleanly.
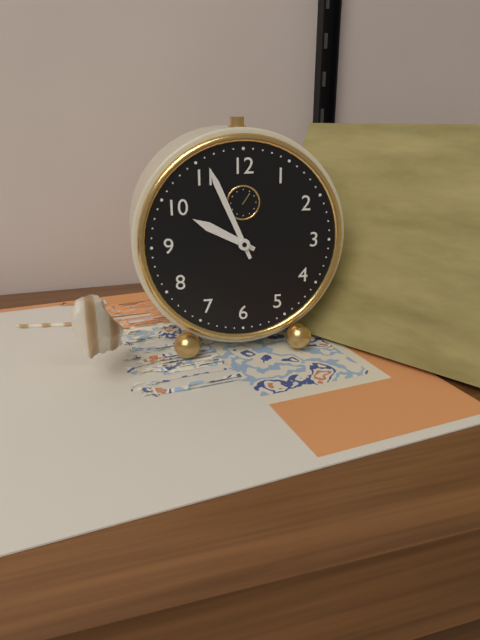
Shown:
9 h 56 min
